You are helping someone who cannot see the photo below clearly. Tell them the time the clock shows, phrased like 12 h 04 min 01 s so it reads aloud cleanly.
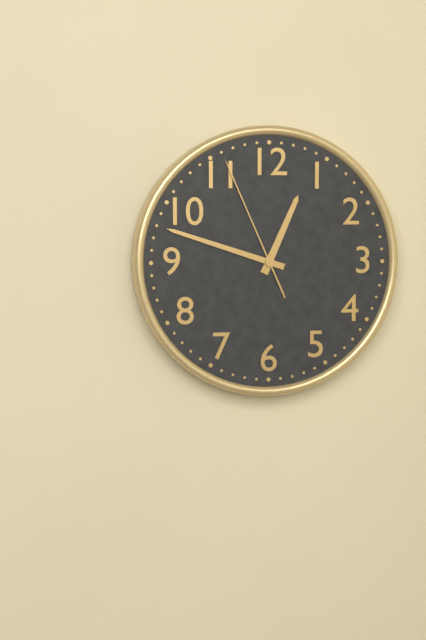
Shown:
12 h 48 min 56 s
